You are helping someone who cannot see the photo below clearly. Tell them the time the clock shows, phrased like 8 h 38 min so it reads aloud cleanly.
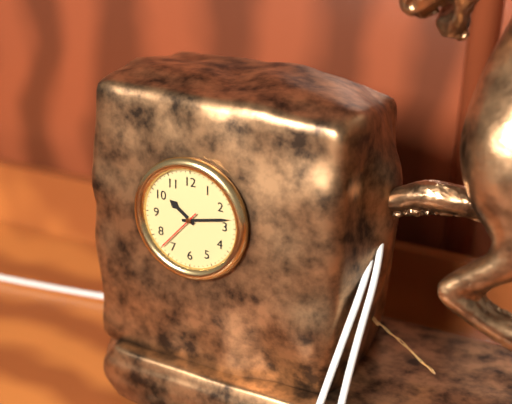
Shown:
10 h 13 min
